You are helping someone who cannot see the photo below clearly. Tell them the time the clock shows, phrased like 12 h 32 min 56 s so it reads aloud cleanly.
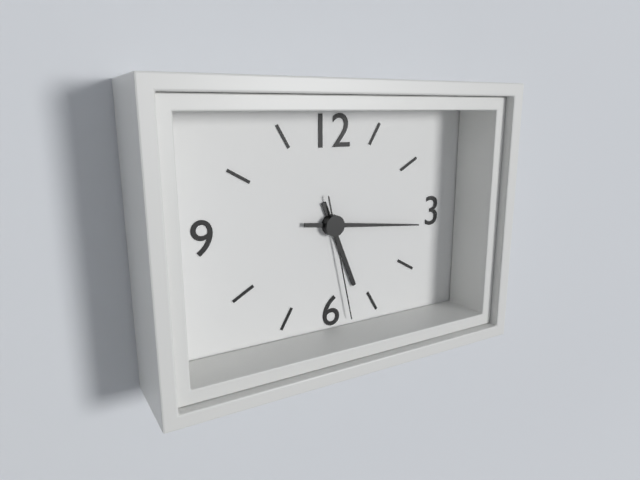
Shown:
5 h 16 min 28 s
